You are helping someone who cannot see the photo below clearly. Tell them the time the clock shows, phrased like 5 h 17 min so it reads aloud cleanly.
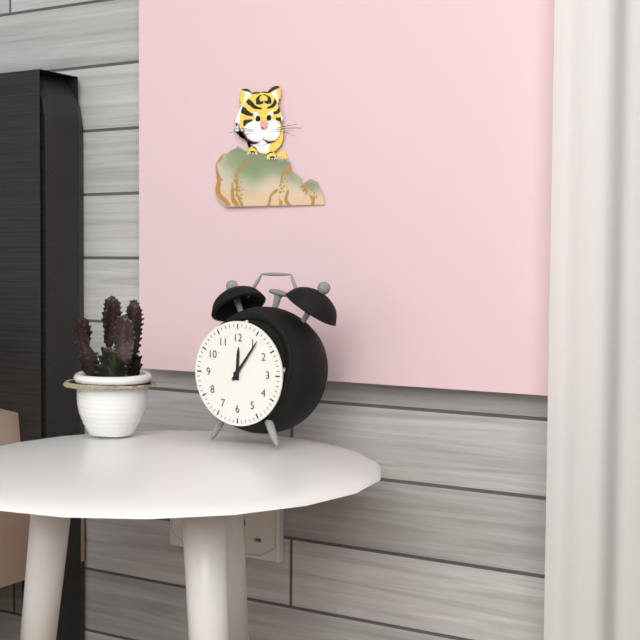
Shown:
12 h 06 min
